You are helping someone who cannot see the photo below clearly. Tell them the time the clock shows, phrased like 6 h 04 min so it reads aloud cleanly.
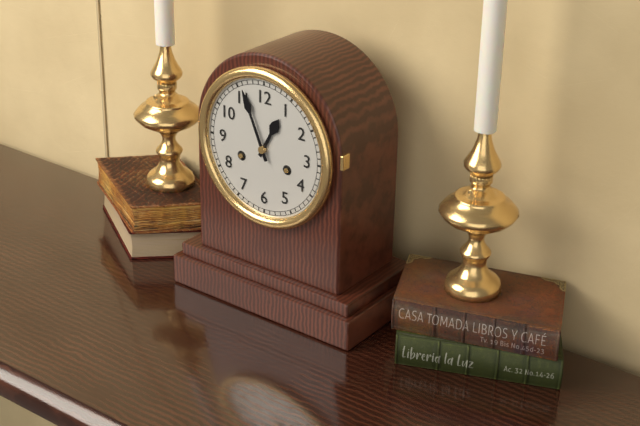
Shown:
12 h 56 min
